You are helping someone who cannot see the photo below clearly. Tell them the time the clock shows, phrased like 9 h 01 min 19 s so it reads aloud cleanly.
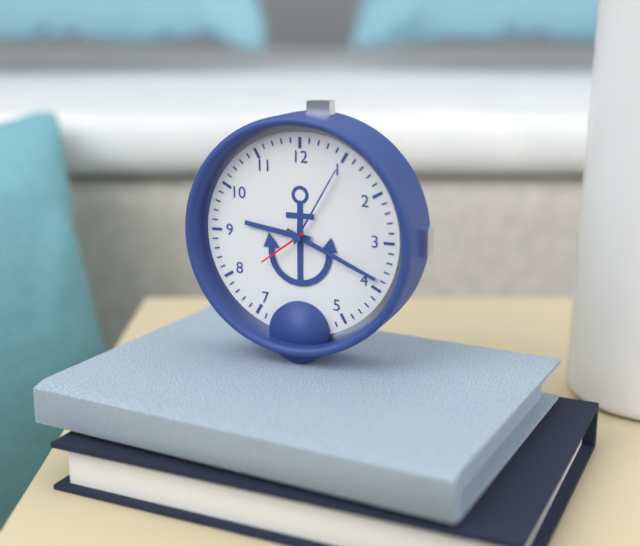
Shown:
9 h 19 min 39 s
